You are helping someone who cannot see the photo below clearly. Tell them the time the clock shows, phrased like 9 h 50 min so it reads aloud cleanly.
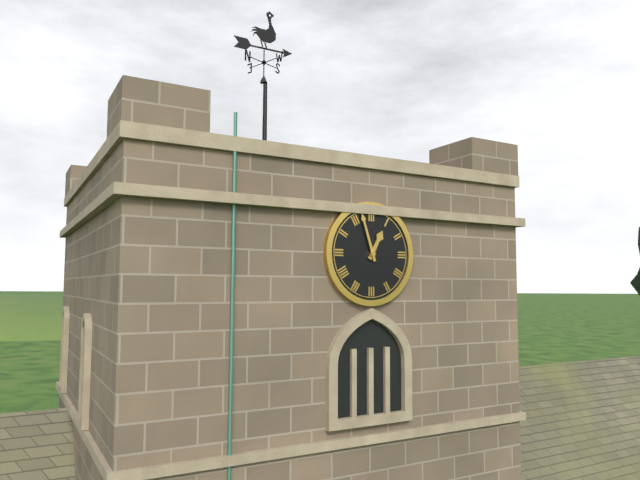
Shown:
12 h 57 min
